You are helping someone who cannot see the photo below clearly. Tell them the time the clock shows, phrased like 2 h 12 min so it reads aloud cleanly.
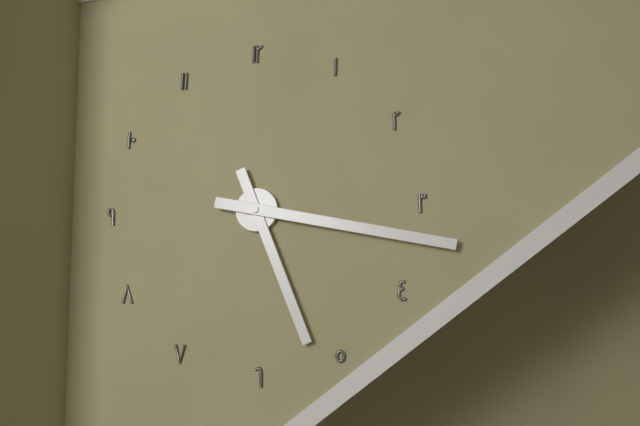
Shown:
5 h 17 min
